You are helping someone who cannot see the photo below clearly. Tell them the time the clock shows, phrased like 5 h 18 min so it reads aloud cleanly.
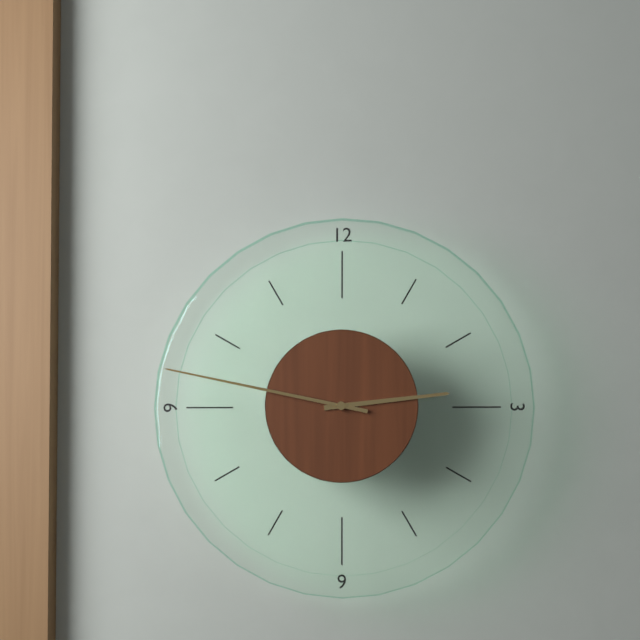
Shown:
2 h 47 min
